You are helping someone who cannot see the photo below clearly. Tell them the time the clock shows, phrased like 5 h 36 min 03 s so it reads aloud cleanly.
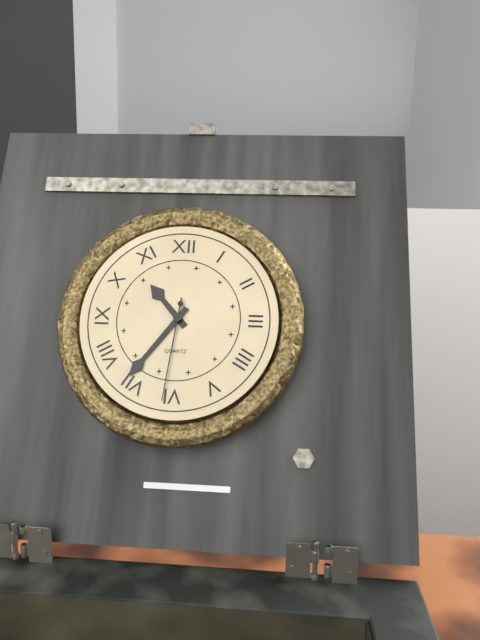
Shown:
10 h 36 min 31 s
